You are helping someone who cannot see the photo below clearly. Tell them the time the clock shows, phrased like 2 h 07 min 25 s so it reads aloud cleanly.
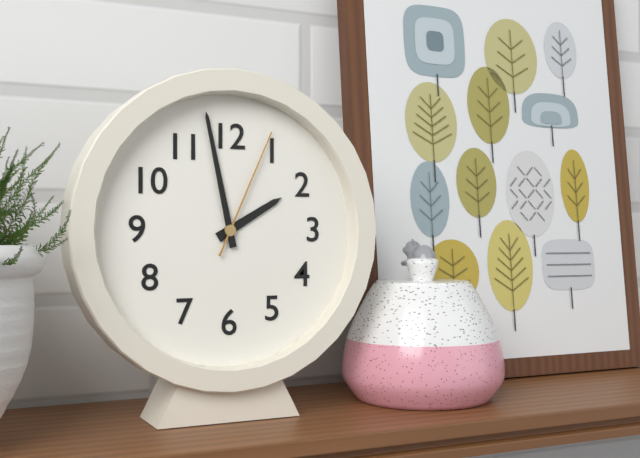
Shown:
1 h 58 min 04 s
